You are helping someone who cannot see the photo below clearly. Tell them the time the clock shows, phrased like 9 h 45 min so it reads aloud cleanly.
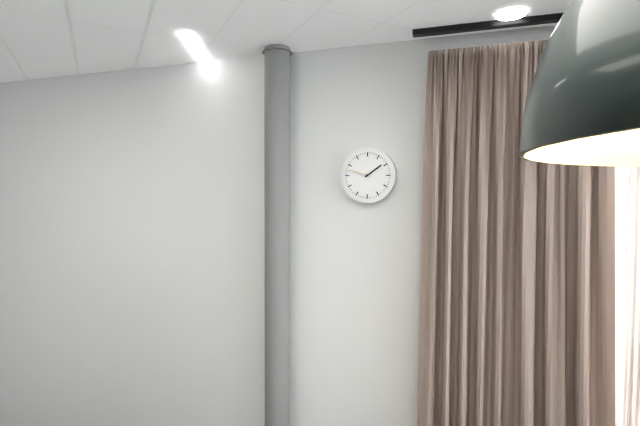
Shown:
1 h 48 min
